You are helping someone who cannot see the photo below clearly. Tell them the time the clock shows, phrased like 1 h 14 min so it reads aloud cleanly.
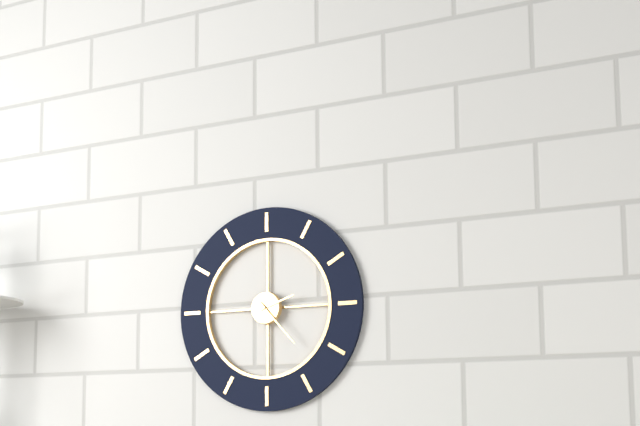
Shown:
2 h 23 min
